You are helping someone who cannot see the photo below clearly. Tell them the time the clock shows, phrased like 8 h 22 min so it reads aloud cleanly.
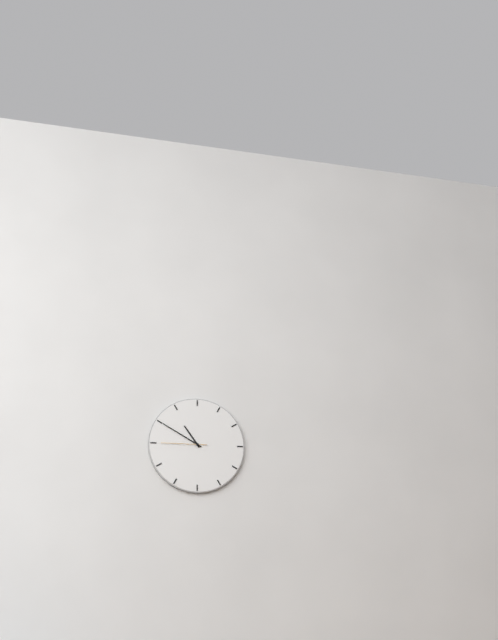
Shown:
10 h 50 min
